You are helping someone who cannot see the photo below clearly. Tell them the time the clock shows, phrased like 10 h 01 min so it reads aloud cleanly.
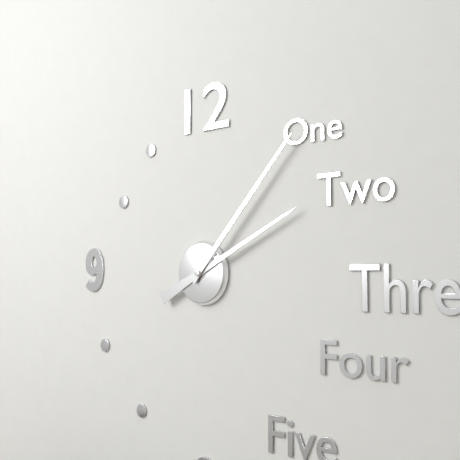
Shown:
2 h 07 min
